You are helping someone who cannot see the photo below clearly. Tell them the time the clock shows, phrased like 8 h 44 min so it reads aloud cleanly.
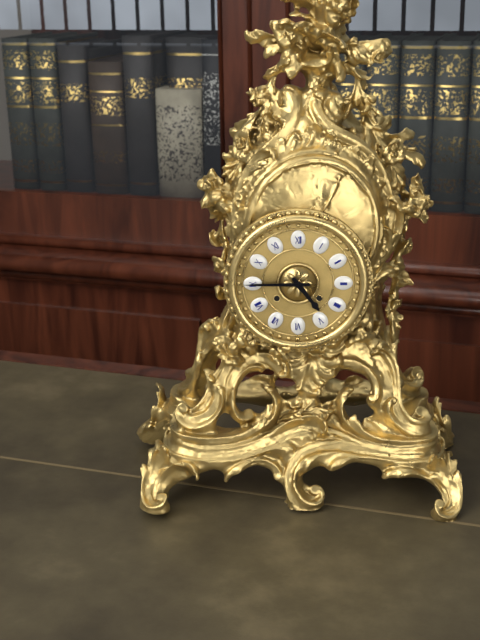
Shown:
4 h 45 min
